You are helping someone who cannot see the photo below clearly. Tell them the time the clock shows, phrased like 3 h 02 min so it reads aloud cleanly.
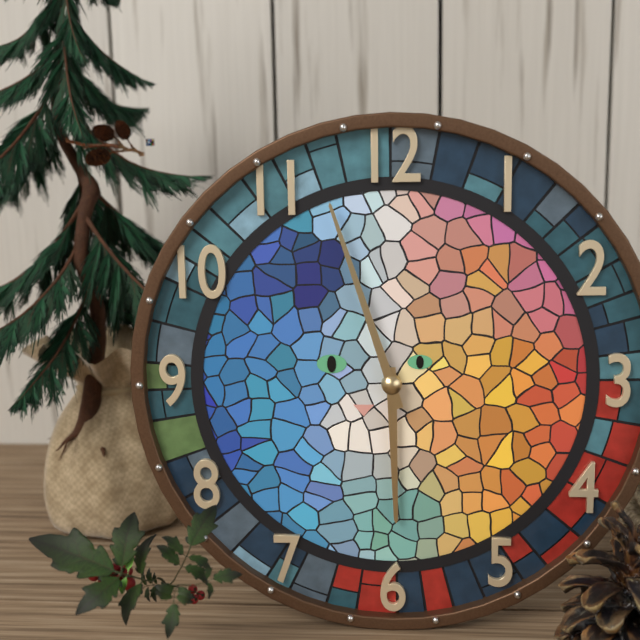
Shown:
5 h 57 min
